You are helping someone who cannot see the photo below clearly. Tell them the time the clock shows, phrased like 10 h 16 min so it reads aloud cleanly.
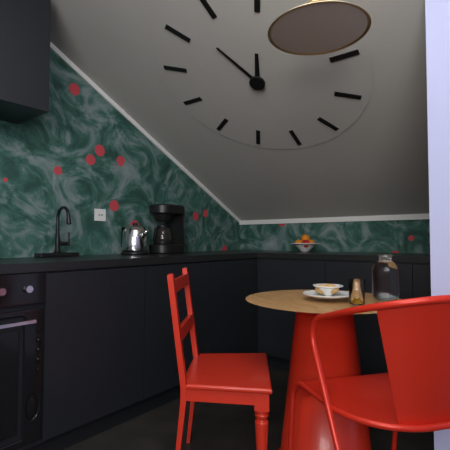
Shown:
12 h 57 min
